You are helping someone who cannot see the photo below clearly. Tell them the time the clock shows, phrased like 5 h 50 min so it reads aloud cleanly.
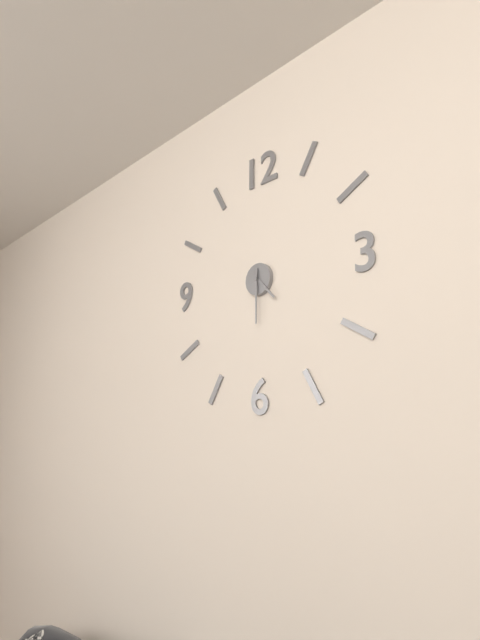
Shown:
4 h 30 min
